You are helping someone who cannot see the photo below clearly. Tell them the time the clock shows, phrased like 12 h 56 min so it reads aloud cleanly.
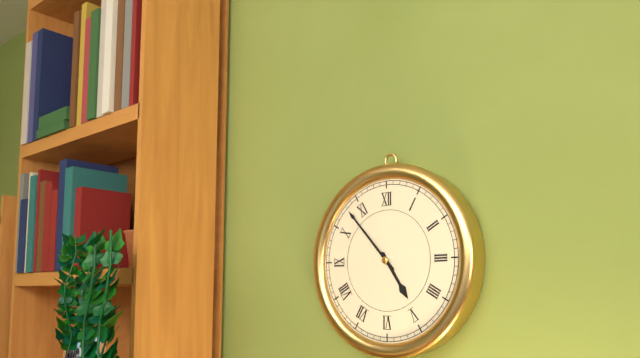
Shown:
4 h 53 min
